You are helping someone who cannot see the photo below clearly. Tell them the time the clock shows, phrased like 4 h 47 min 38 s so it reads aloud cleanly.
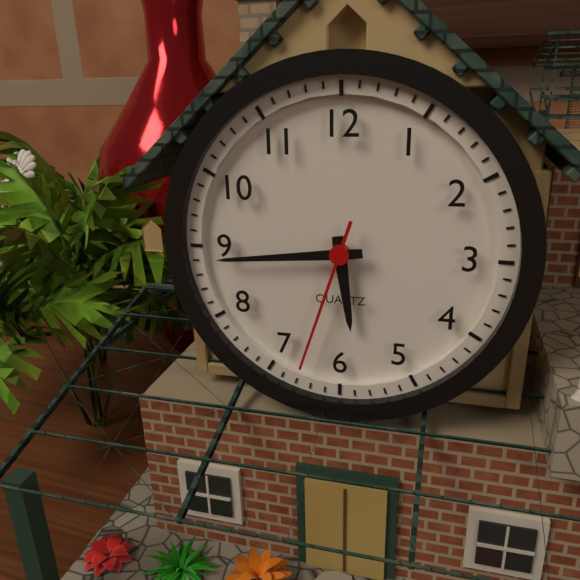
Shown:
5 h 44 min 33 s
